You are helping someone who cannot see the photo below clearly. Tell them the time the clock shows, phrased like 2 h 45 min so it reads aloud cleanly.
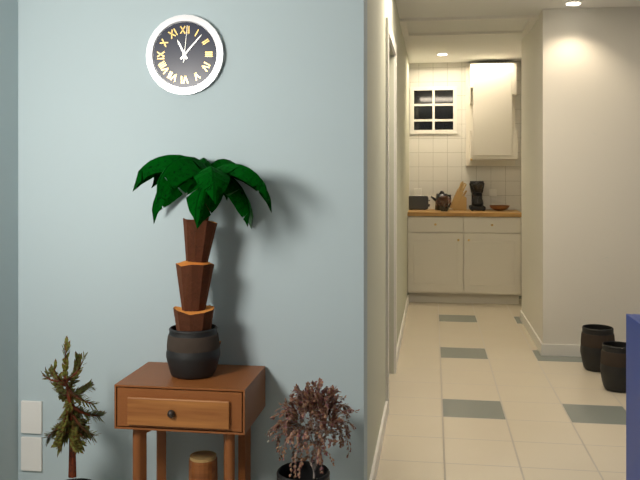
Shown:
11 h 07 min
